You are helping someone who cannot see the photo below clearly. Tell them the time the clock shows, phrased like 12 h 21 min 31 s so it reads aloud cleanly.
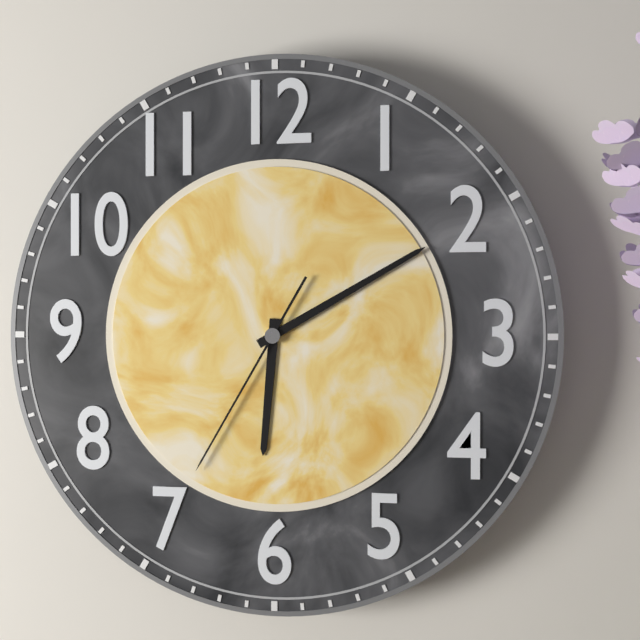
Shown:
6 h 10 min 35 s
